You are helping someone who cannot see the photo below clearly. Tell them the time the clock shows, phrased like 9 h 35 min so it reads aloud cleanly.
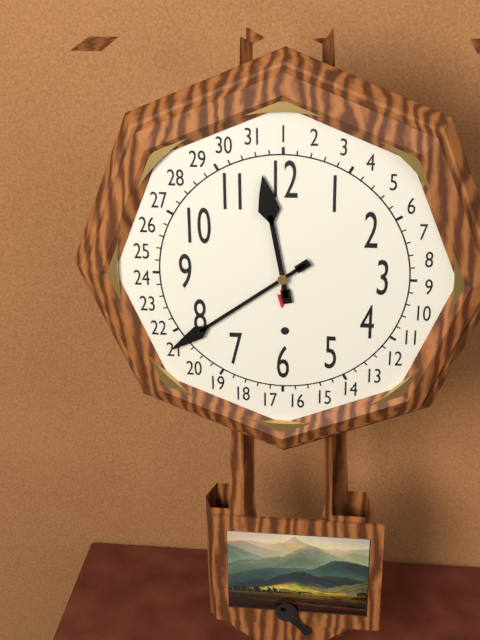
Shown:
11 h 39 min
